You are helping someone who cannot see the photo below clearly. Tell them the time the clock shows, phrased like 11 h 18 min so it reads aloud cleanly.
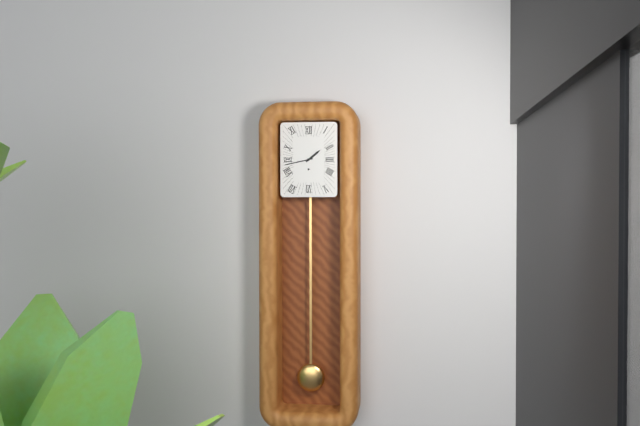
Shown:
1 h 43 min
